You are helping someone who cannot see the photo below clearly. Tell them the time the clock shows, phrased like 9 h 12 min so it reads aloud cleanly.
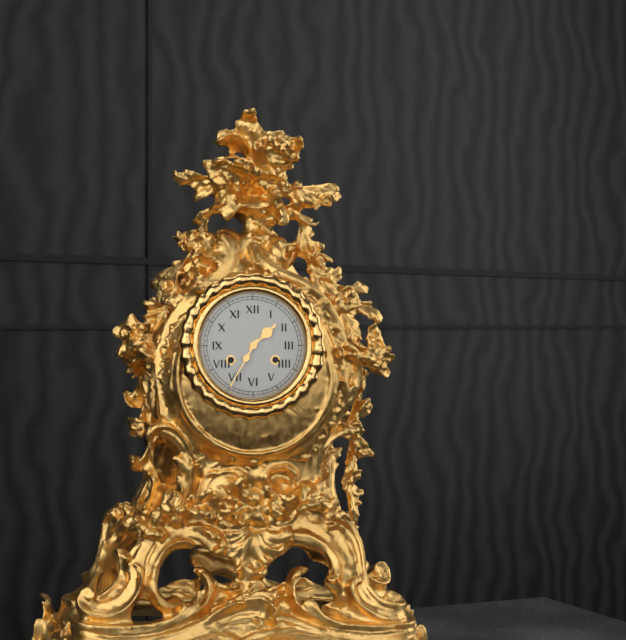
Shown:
1 h 35 min
